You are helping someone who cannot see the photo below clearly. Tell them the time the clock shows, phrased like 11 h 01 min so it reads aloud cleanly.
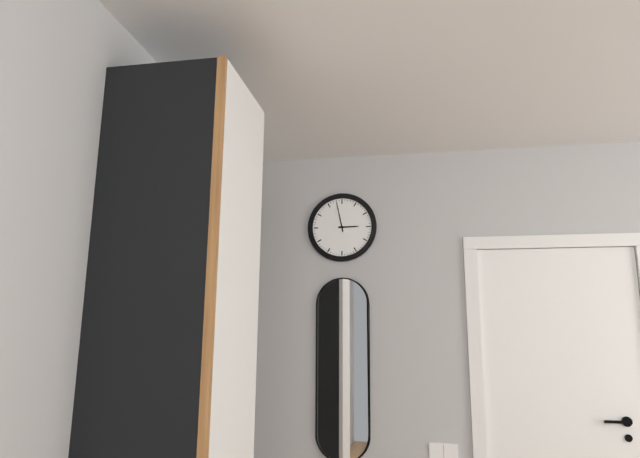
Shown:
2 h 58 min
